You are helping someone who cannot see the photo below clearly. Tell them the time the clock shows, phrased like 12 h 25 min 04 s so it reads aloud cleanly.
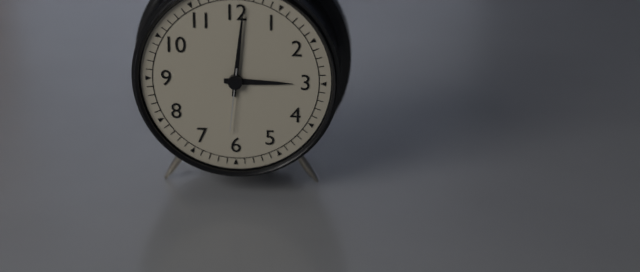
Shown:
3 h 01 min 31 s
